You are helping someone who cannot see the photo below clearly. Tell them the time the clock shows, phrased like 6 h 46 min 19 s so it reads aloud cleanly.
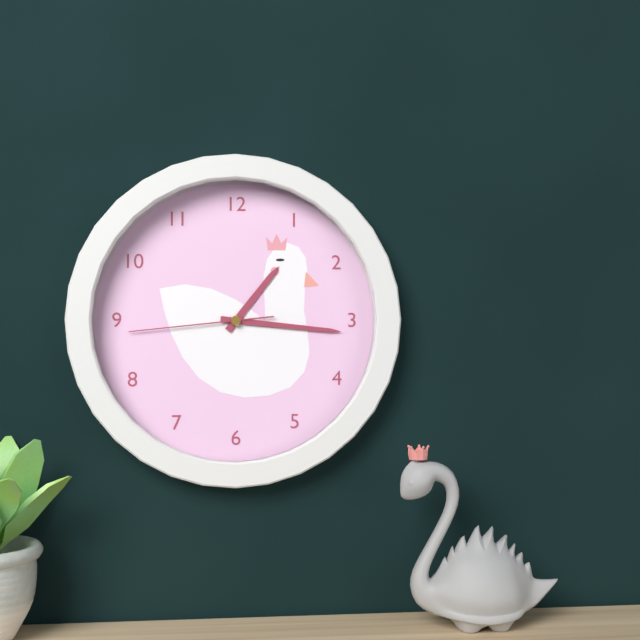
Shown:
1 h 16 min 44 s
